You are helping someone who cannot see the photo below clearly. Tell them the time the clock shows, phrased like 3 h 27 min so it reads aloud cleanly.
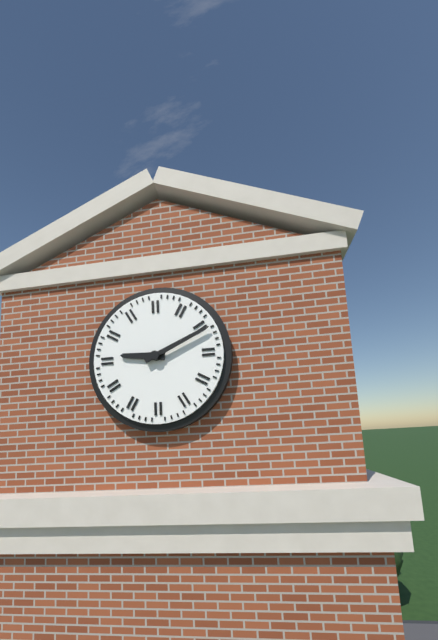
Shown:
9 h 11 min
